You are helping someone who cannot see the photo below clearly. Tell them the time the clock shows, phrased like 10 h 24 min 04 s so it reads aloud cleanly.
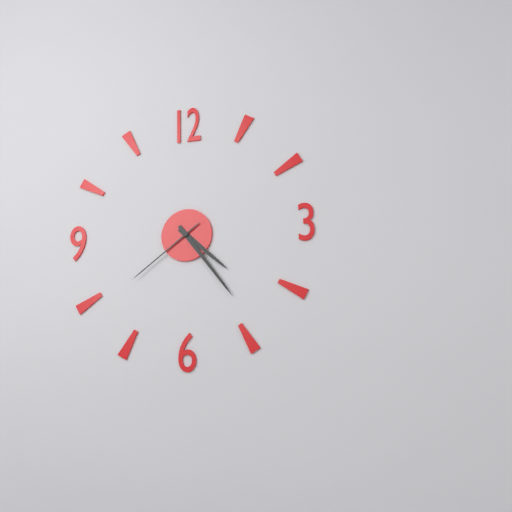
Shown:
4 h 24 min 39 s
